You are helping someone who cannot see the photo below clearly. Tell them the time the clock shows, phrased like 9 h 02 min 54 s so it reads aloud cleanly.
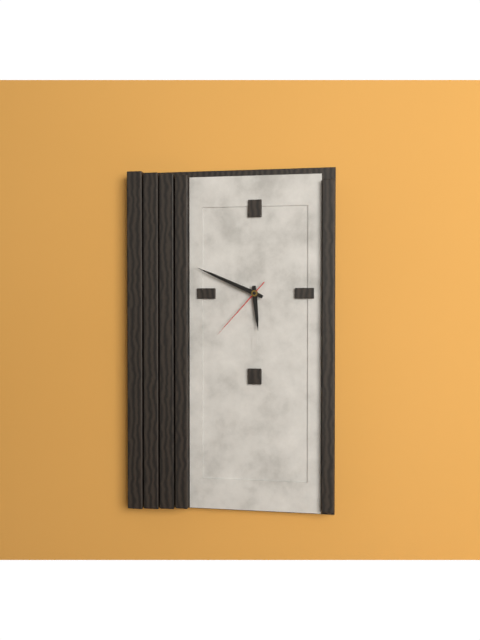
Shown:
5 h 49 min 37 s
